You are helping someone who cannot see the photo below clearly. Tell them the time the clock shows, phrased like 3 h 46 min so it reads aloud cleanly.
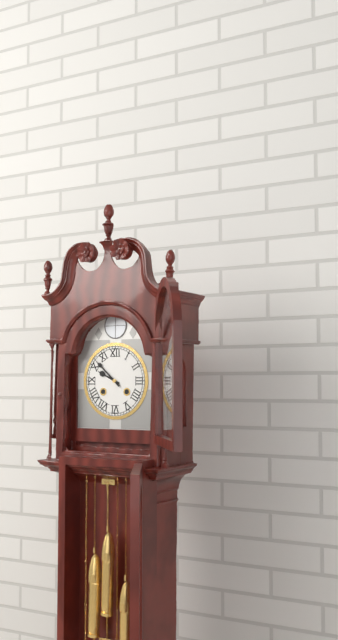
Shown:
9 h 52 min
